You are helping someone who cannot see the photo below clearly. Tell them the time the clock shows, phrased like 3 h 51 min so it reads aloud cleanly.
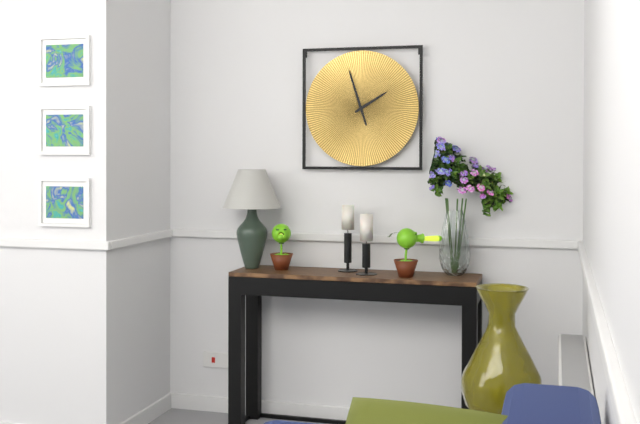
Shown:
1 h 57 min
